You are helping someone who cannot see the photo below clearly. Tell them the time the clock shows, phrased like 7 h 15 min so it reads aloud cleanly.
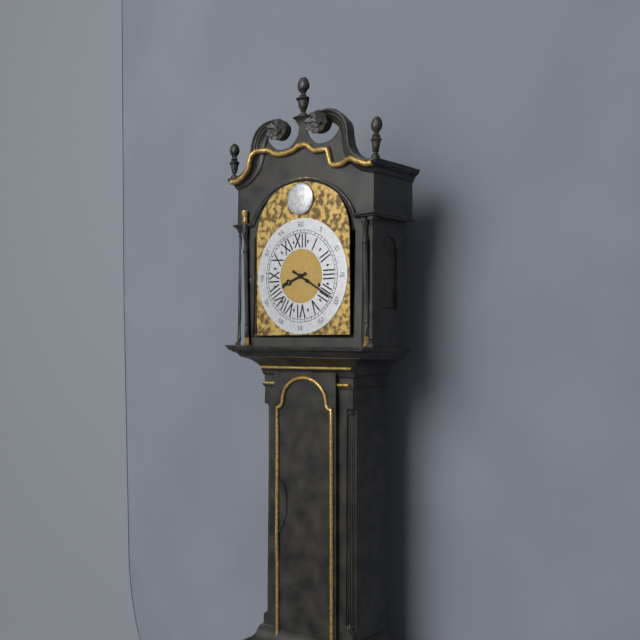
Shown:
8 h 20 min
